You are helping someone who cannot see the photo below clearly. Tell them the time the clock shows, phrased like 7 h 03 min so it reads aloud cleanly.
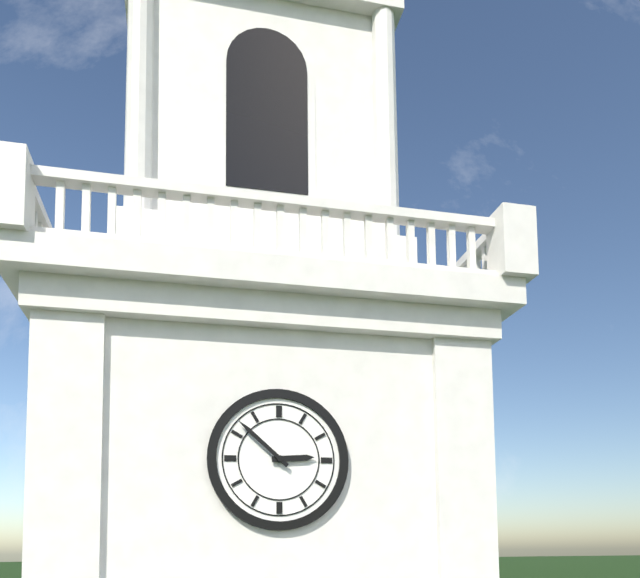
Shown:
2 h 52 min
